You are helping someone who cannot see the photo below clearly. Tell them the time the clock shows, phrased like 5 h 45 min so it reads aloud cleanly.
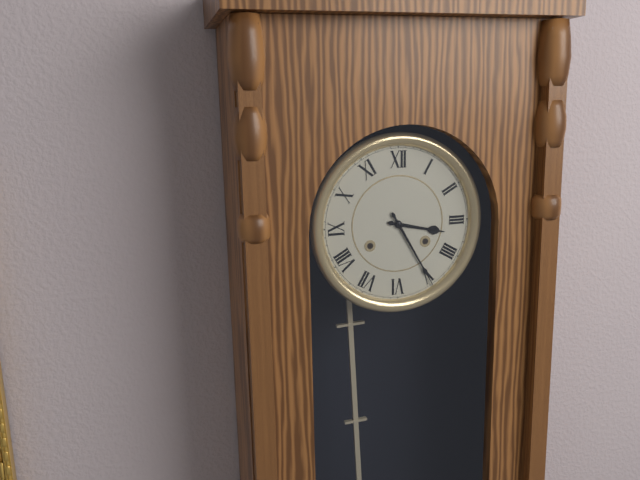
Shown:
3 h 25 min
